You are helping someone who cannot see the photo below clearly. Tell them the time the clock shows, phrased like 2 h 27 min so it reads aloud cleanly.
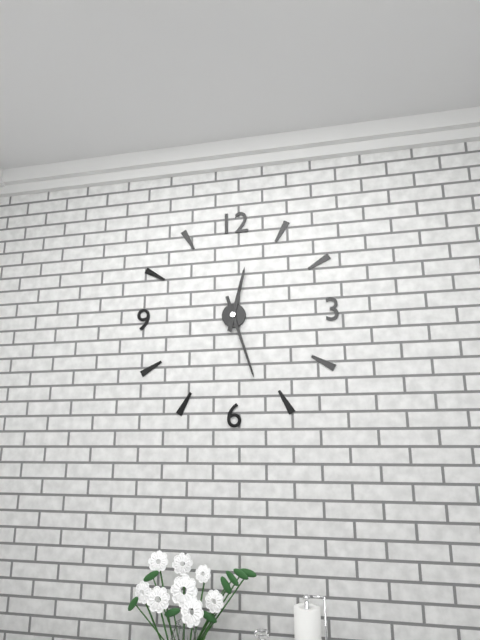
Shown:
12 h 27 min
